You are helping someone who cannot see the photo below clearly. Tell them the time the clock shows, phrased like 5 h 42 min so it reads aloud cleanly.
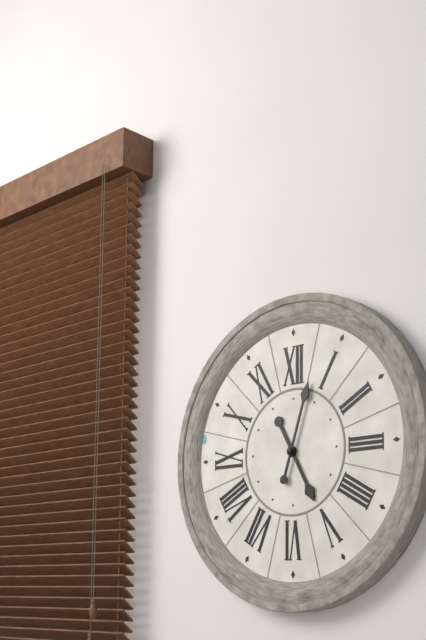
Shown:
5 h 03 min
